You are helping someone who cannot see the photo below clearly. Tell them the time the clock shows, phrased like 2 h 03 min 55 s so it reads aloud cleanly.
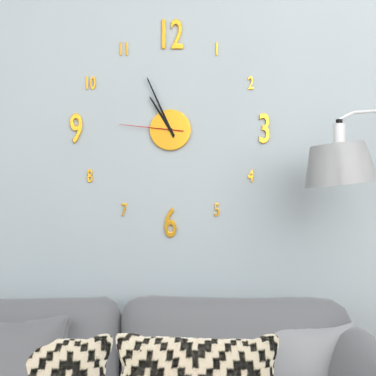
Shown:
10 h 56 min 46 s
